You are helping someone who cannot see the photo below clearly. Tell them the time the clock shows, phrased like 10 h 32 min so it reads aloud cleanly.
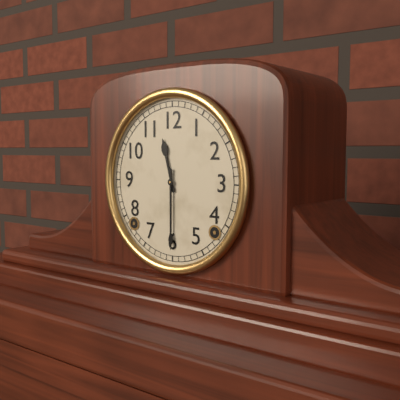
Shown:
11 h 30 min
